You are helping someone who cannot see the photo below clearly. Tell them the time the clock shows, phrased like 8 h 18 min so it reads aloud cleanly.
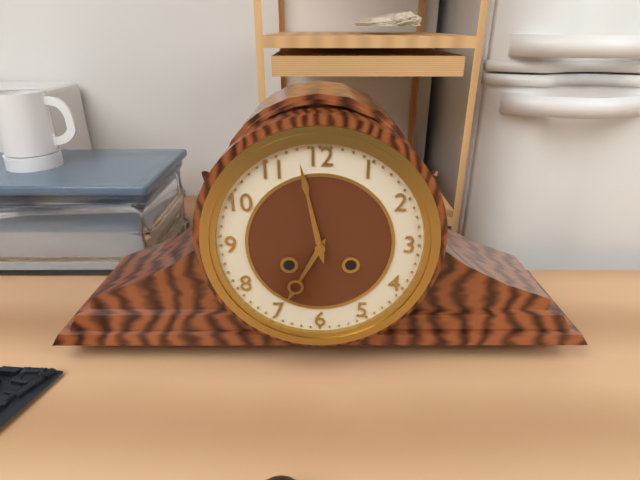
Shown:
6 h 58 min
